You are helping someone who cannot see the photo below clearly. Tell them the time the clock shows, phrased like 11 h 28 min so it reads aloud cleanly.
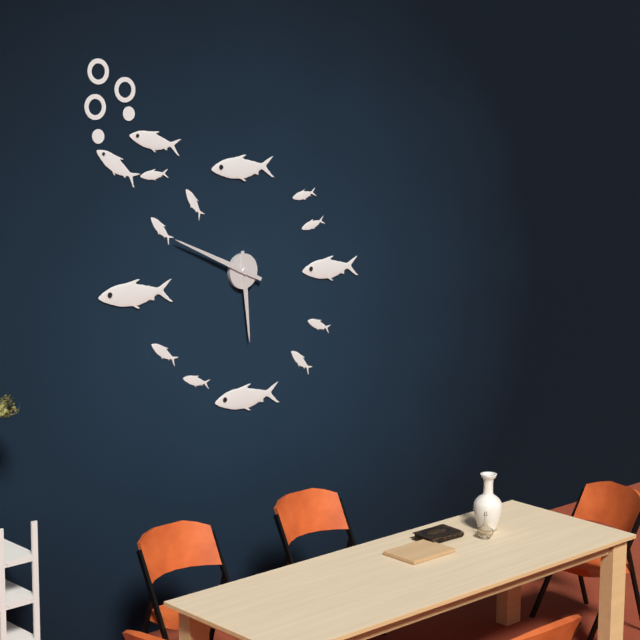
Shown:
5 h 49 min
